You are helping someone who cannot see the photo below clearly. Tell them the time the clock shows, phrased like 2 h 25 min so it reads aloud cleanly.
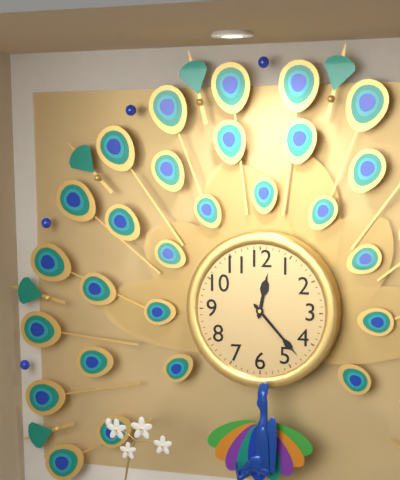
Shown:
12 h 23 min
